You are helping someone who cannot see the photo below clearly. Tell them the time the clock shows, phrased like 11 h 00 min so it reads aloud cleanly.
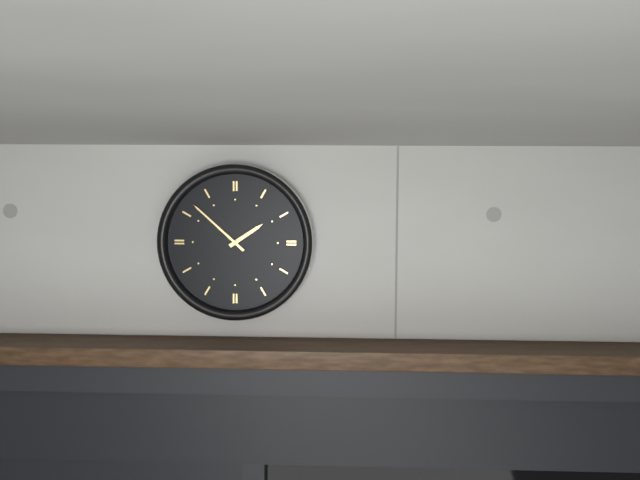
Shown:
1 h 52 min
